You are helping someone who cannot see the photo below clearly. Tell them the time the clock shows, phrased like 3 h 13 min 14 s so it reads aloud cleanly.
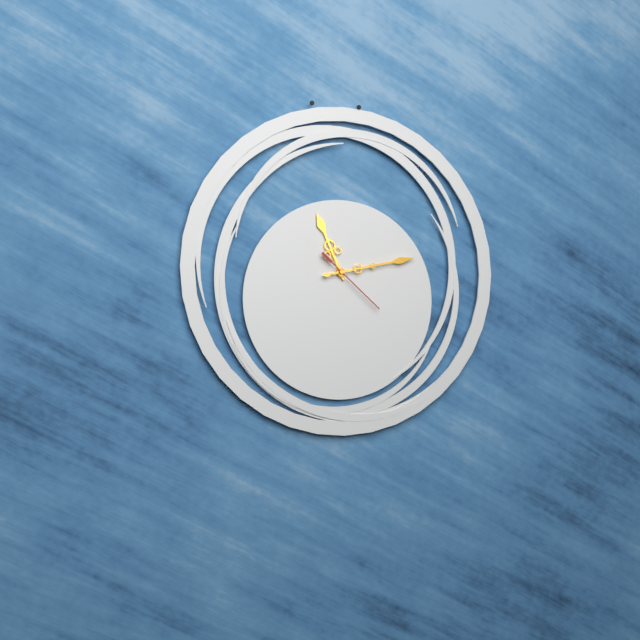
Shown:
11 h 13 min 22 s
